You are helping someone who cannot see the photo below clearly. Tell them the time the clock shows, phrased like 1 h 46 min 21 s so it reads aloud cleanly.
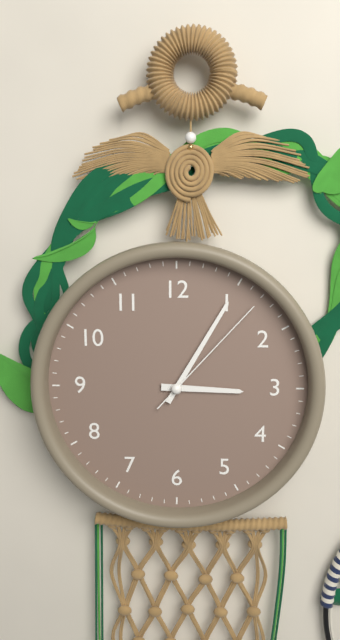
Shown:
3 h 05 min 07 s
